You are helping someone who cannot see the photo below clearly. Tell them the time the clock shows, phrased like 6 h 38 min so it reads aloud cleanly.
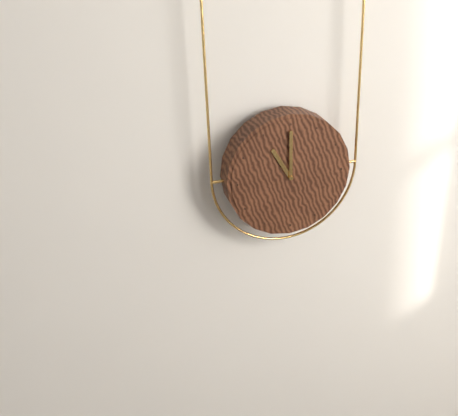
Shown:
11 h 00 min
